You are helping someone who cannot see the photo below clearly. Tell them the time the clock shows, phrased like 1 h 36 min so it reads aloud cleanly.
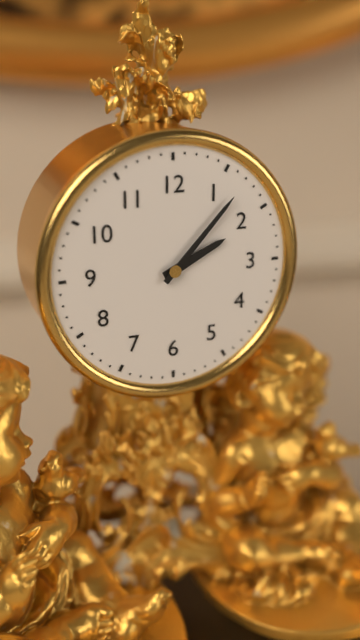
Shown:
2 h 07 min
